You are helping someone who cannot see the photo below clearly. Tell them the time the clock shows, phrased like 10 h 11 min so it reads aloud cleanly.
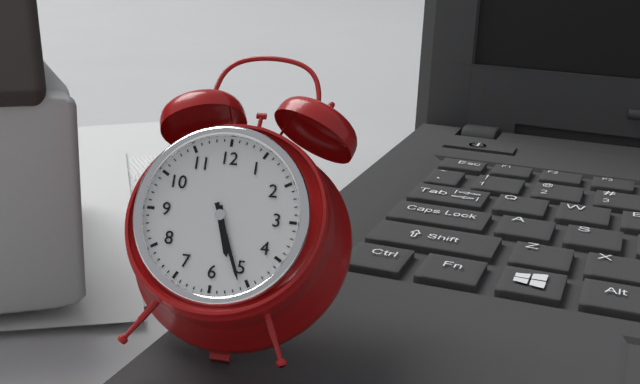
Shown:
5 h 26 min
